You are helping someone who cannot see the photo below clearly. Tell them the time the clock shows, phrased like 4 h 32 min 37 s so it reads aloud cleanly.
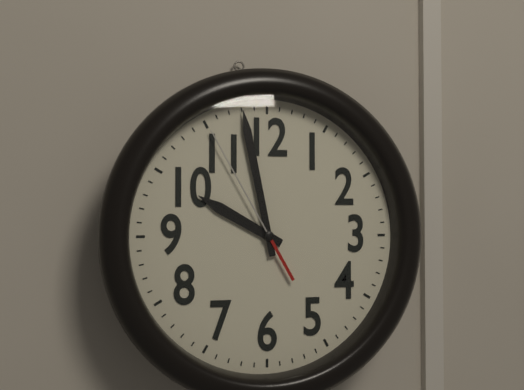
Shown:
9 h 58 min 55 s
